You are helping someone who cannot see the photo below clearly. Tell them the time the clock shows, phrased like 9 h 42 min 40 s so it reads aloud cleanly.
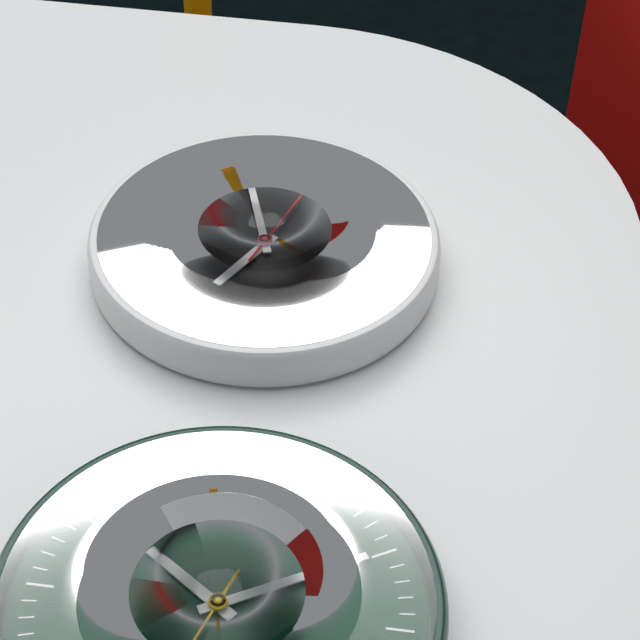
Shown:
6 h 57 min 03 s
